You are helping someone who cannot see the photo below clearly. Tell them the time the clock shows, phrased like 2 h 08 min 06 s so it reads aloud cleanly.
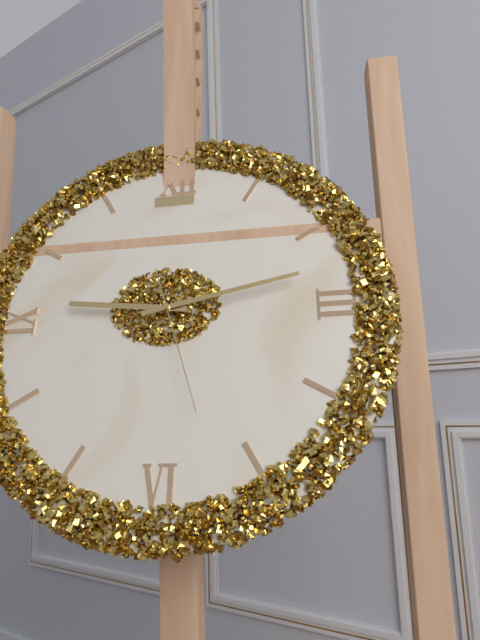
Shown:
9 h 13 min 27 s
